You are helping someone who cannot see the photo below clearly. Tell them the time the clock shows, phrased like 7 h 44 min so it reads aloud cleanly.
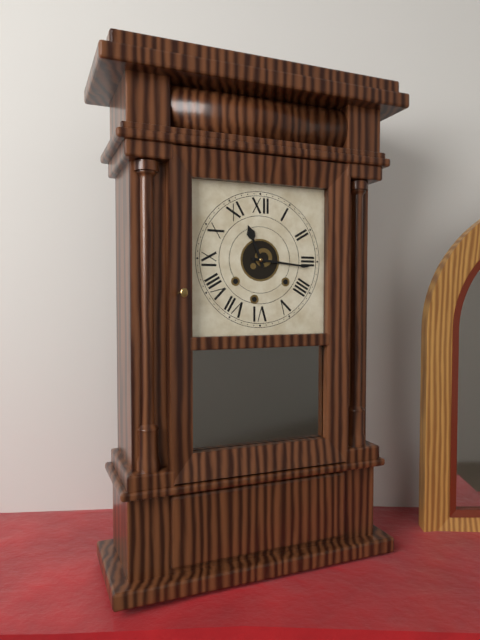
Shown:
11 h 16 min
